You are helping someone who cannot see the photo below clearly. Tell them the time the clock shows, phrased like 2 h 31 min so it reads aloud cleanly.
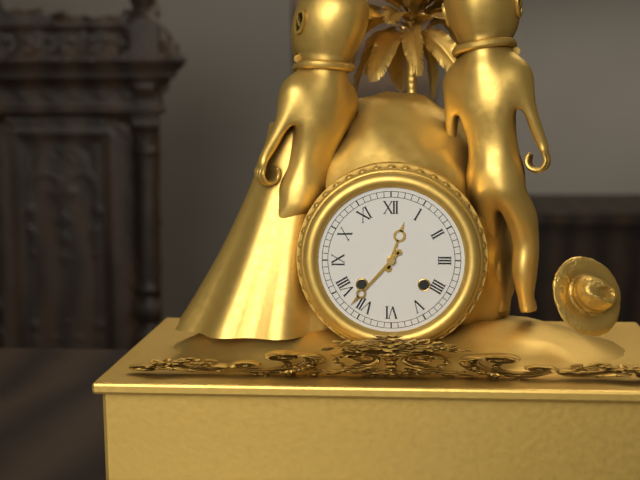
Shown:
12 h 37 min
